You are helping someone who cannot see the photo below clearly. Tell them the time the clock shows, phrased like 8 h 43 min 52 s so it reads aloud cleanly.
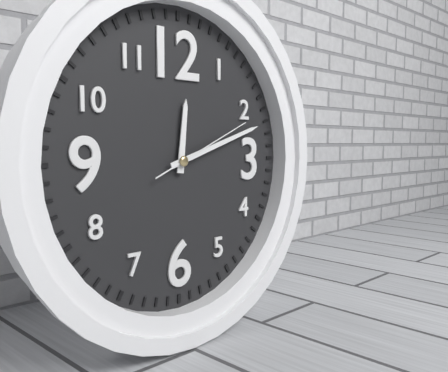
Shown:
12 h 12 min 11 s
